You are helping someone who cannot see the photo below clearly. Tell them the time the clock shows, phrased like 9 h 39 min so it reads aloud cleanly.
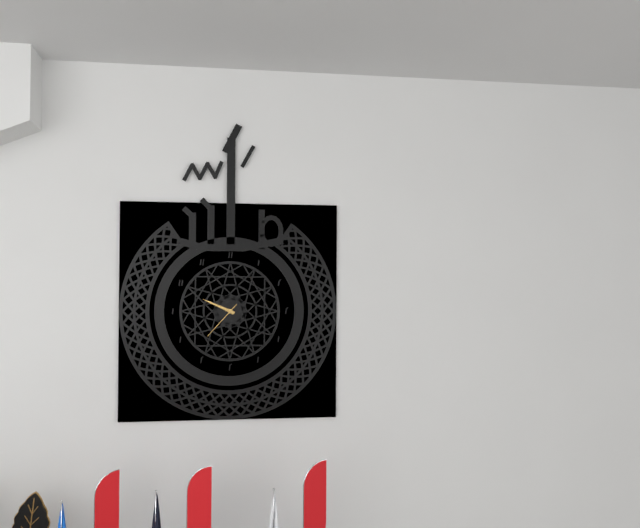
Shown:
9 h 49 min
